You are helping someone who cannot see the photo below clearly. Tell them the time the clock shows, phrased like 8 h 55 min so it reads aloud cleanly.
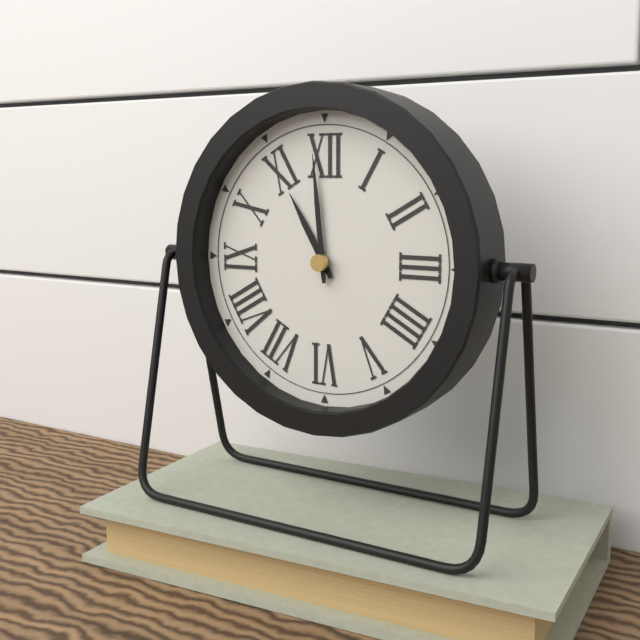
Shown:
10 h 59 min
